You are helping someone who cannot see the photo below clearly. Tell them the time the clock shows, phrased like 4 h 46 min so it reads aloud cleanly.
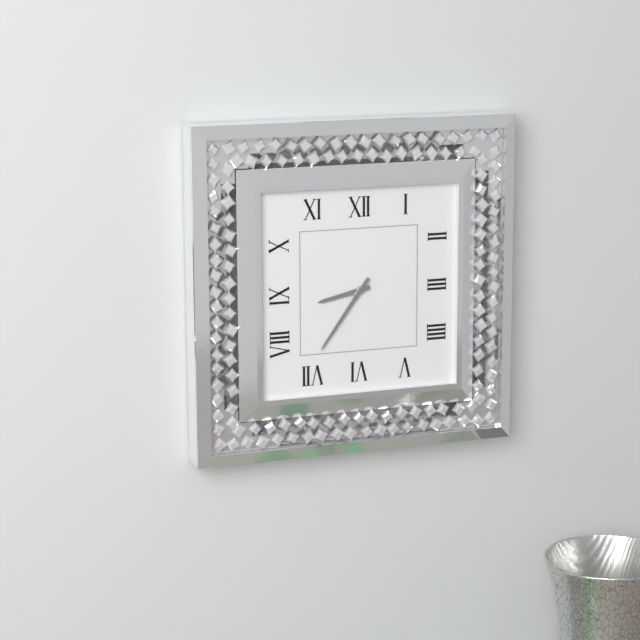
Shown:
8 h 36 min
